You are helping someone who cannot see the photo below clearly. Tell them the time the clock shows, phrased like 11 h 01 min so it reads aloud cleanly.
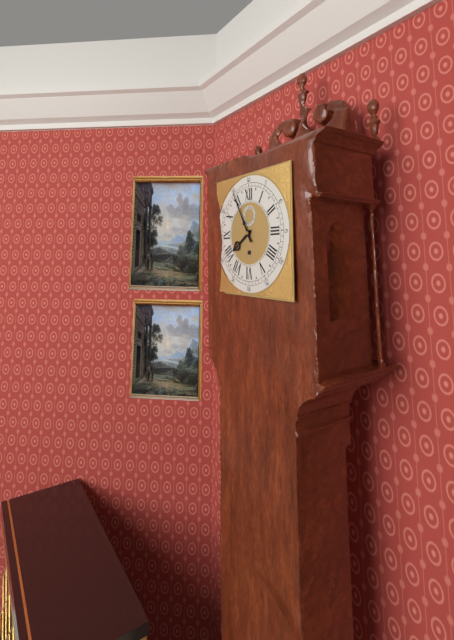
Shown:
7 h 55 min
